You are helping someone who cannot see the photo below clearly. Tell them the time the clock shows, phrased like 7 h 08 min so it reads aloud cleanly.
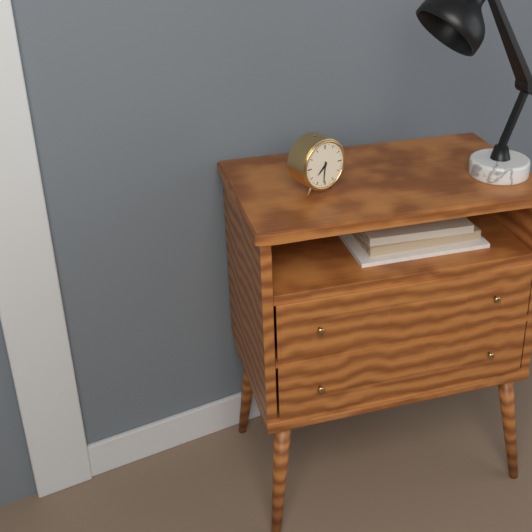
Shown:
7 h 31 min
